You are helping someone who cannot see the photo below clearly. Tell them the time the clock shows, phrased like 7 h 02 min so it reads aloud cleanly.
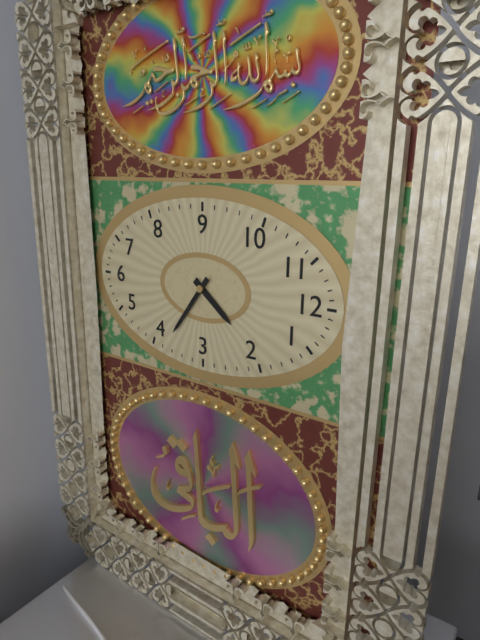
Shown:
1 h 21 min
